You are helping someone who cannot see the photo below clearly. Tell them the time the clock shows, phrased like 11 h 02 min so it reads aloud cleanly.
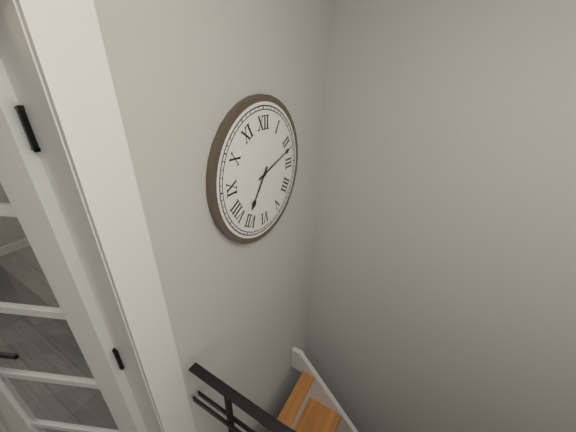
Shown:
7 h 12 min
